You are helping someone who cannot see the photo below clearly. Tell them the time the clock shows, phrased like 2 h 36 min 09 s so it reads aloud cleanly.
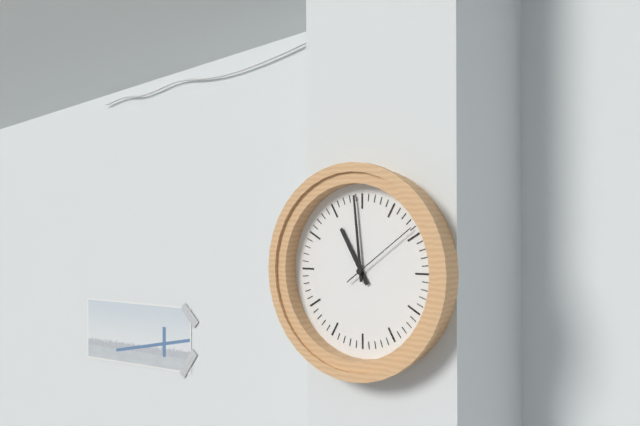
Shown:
10 h 59 min 09 s
